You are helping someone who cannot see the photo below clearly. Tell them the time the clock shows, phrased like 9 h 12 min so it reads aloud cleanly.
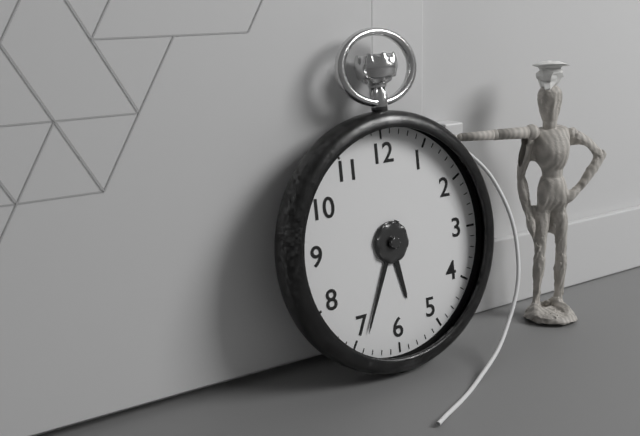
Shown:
5 h 34 min
